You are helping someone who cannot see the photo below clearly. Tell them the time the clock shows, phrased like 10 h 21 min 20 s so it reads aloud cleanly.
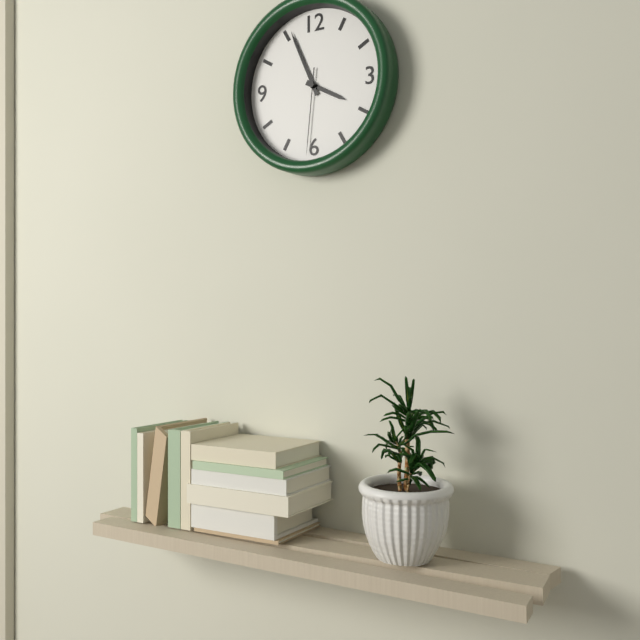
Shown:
3 h 56 min 31 s
